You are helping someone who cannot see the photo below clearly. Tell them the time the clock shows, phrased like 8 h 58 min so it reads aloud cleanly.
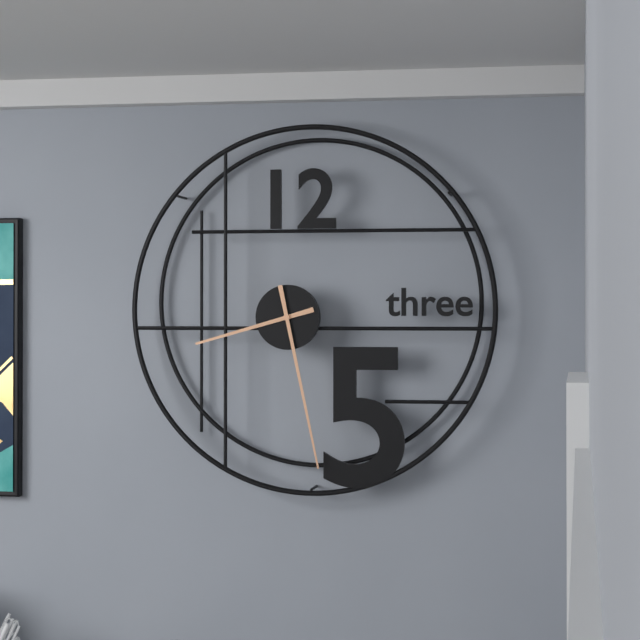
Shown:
8 h 28 min
